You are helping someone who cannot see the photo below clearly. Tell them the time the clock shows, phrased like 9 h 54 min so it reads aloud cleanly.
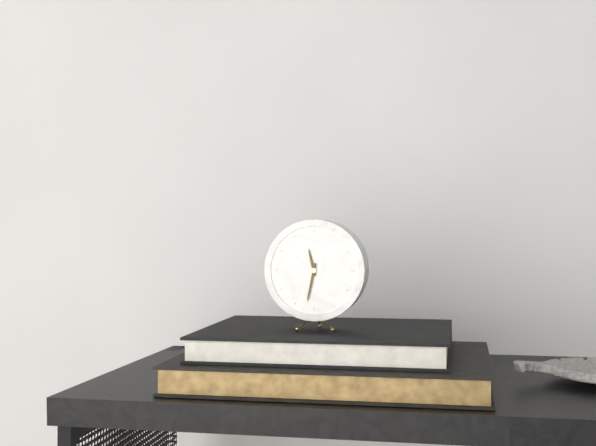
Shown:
11 h 32 min
